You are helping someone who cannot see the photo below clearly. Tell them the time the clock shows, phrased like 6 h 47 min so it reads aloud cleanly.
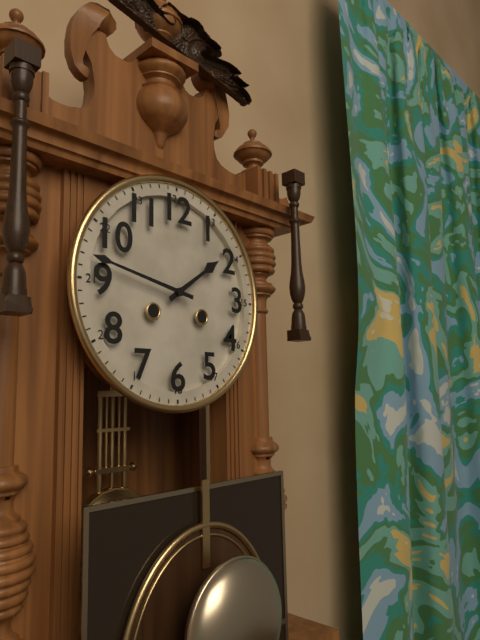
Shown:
1 h 47 min
